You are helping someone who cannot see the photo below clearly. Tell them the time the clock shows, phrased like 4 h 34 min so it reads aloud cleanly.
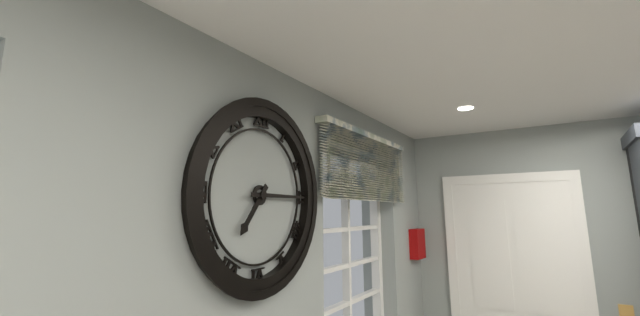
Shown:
7 h 15 min
